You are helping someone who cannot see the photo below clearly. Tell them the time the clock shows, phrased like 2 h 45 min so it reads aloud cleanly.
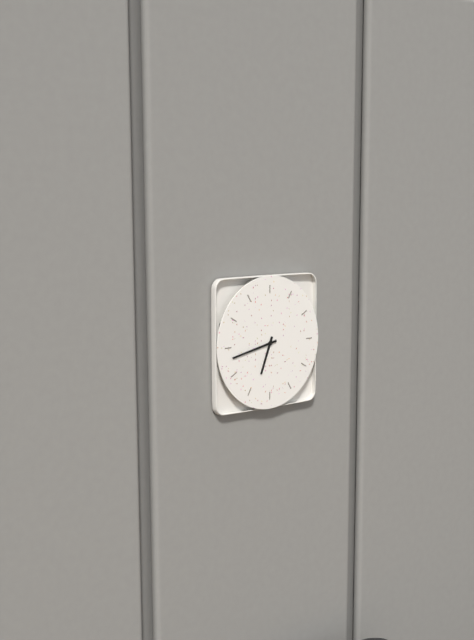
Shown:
6 h 43 min
